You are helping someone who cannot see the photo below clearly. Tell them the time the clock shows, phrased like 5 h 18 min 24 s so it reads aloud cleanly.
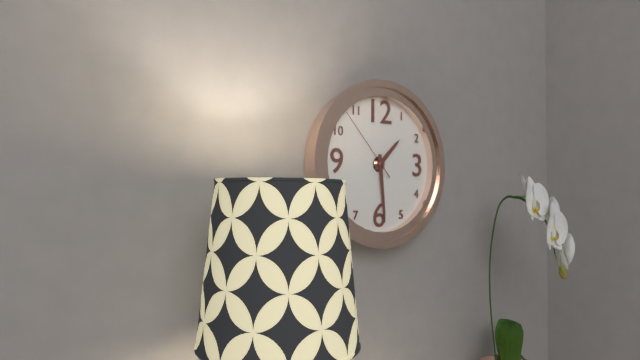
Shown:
1 h 29 min 53 s
